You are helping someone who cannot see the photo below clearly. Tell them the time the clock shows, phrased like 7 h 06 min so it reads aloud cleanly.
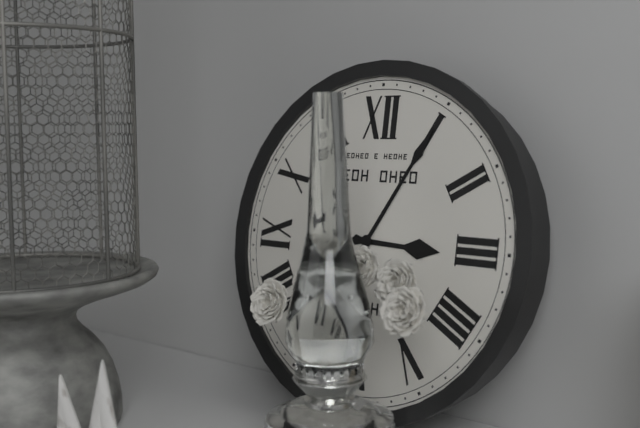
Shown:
3 h 05 min
